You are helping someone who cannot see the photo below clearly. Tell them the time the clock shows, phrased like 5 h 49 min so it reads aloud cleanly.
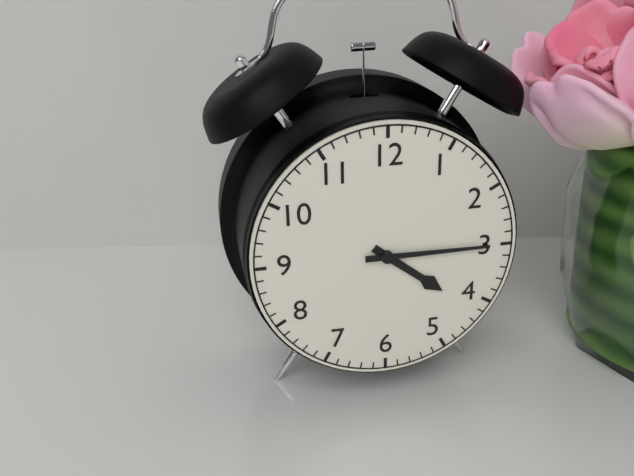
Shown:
4 h 15 min
